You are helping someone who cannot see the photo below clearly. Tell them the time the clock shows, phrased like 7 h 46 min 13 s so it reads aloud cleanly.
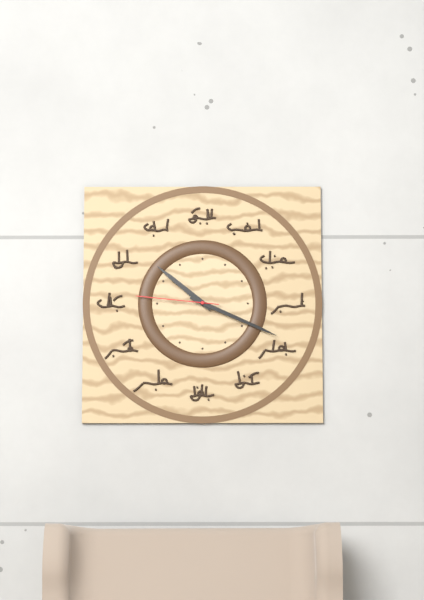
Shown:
10 h 19 min 46 s
